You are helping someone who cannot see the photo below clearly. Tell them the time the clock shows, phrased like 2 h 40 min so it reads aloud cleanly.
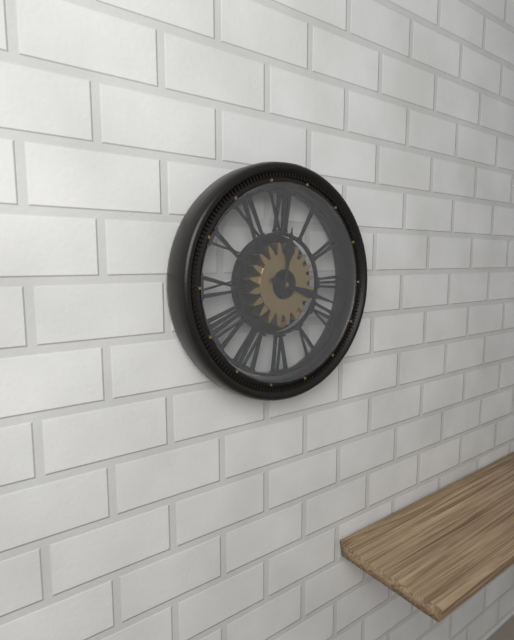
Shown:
12 h 18 min
